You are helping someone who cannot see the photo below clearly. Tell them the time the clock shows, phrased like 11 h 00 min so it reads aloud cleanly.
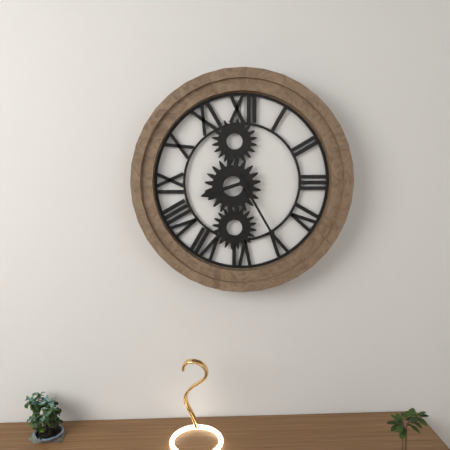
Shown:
8 h 25 min
